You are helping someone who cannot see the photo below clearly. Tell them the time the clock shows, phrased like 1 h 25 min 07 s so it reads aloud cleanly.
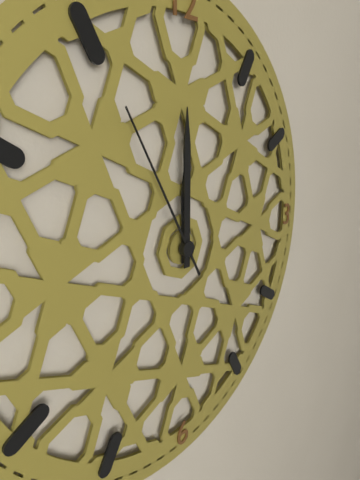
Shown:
12 h 00 min 55 s
